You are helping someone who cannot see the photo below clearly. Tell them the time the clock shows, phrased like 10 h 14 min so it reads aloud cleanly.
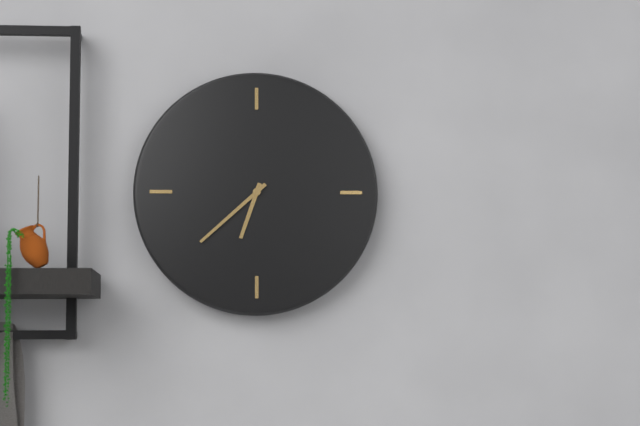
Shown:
6 h 38 min
